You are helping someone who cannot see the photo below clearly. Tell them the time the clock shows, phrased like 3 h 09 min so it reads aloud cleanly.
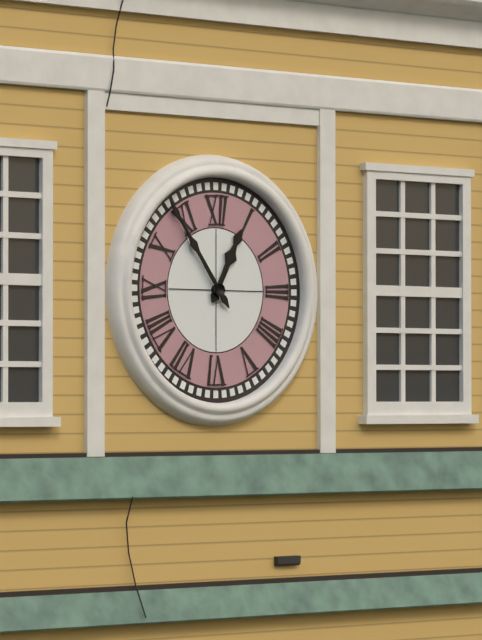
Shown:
12 h 54 min
